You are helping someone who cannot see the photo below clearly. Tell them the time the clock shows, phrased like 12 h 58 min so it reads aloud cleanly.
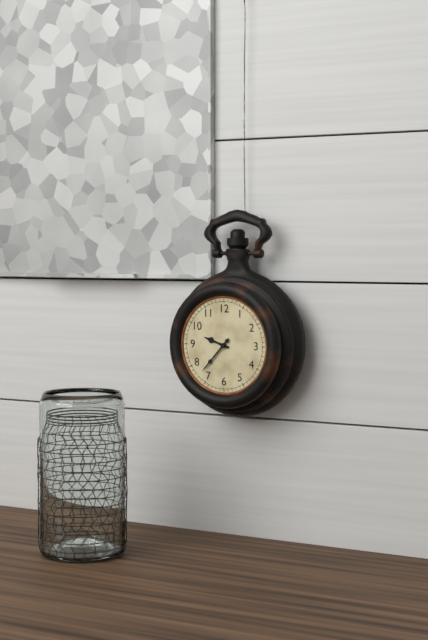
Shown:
9 h 37 min
